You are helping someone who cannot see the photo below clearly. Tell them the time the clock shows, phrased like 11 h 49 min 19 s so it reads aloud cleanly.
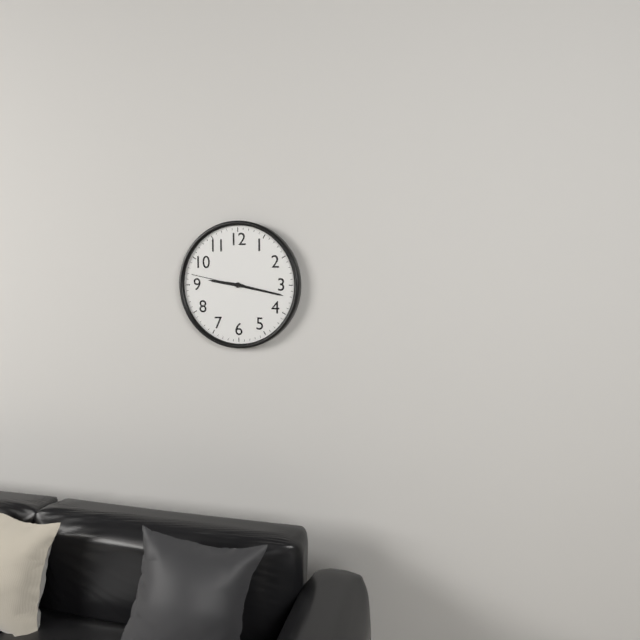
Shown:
9 h 17 min 47 s
